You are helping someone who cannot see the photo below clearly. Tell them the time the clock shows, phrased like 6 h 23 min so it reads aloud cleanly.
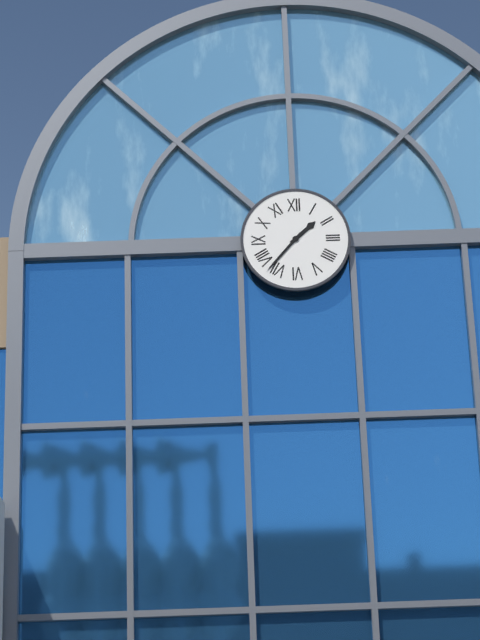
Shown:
1 h 37 min
